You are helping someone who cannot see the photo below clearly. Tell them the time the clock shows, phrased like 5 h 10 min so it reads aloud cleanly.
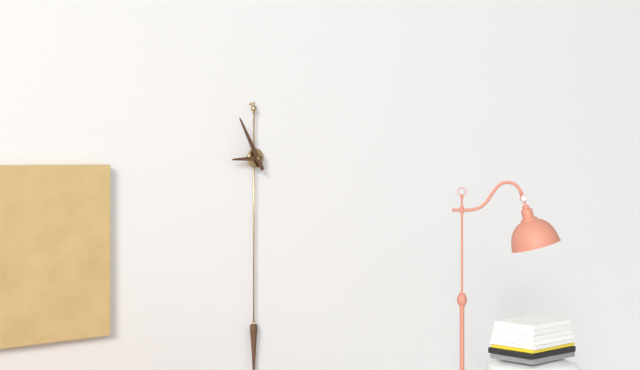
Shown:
8 h 55 min
